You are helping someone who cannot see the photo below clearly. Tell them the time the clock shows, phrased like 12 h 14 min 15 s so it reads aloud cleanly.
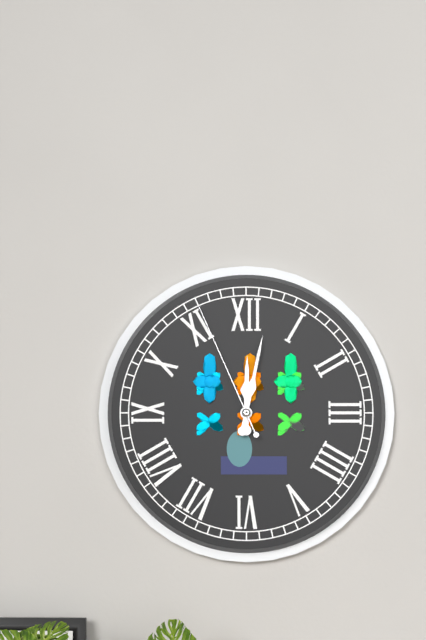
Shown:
12 h 02 min 56 s
